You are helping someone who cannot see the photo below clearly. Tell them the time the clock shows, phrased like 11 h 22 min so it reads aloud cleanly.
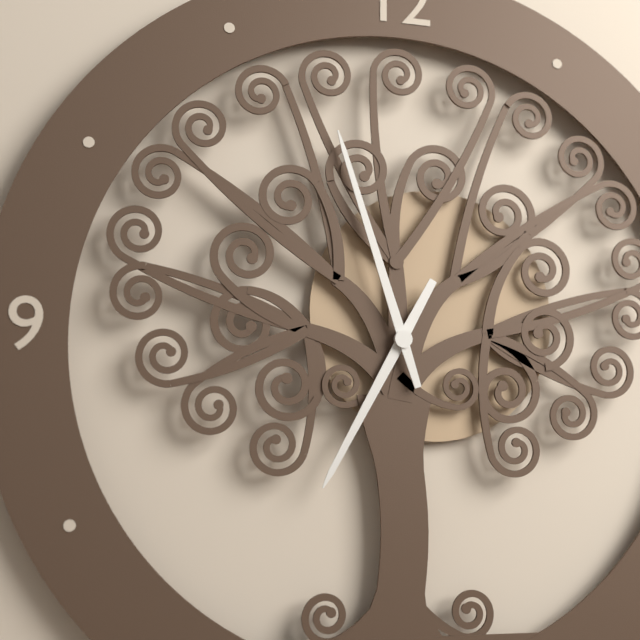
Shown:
6 h 57 min
